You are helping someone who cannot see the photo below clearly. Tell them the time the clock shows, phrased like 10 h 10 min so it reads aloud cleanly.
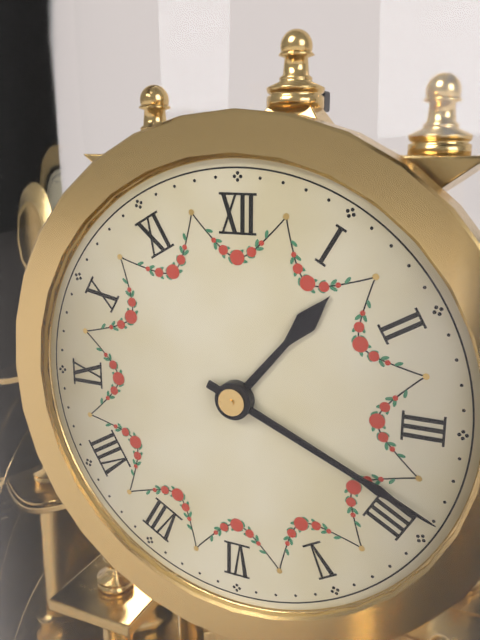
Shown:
1 h 19 min
